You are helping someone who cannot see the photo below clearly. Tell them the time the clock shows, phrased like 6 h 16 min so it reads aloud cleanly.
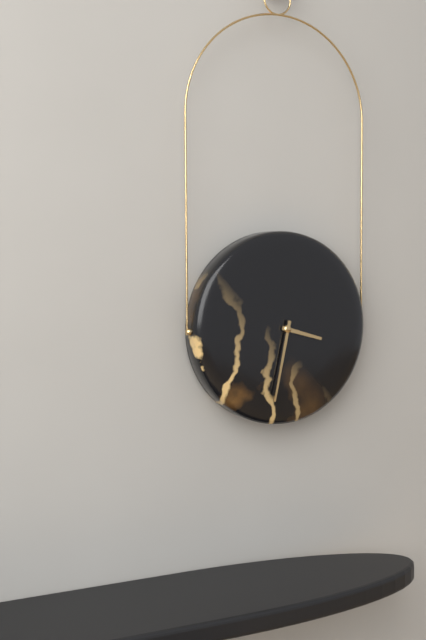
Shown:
3 h 32 min
